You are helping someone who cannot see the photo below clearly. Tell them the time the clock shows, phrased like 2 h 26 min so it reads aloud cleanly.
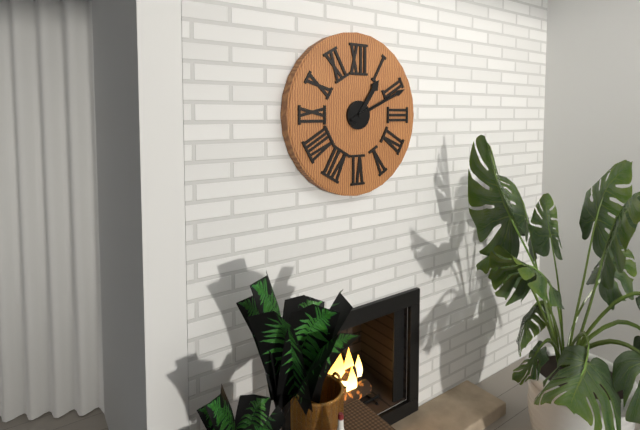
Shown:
1 h 11 min
